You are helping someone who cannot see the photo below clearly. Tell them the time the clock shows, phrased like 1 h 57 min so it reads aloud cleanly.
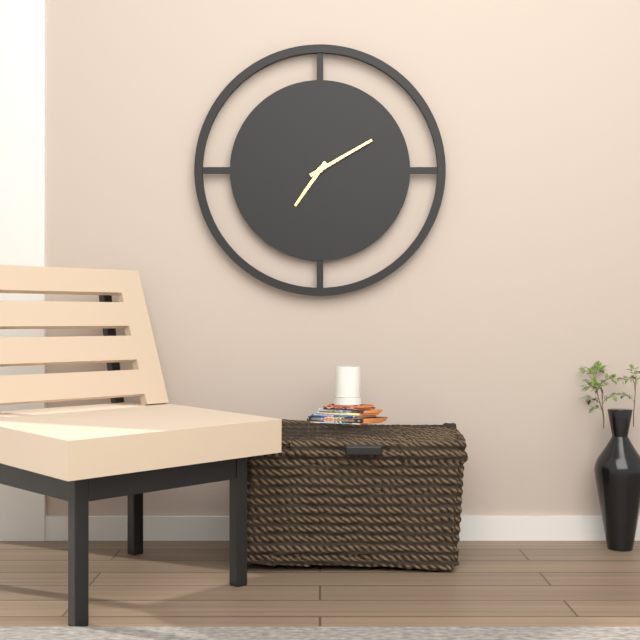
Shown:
7 h 10 min
